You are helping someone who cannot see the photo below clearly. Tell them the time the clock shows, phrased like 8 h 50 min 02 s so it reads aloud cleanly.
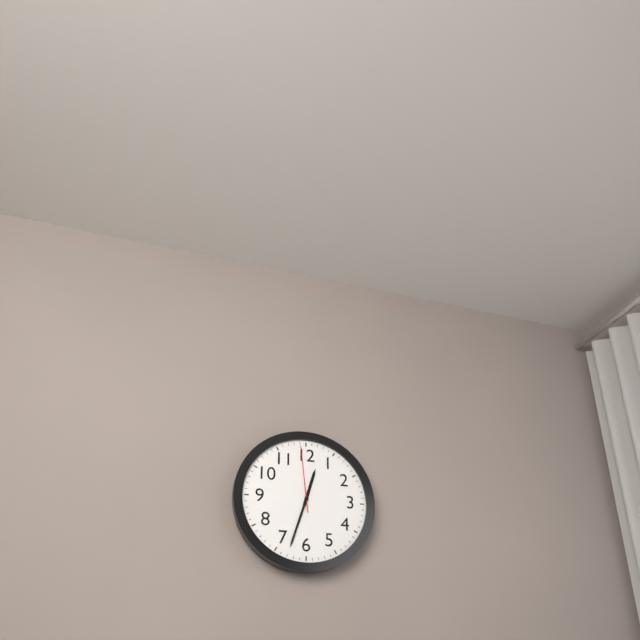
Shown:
12 h 33 min 59 s
